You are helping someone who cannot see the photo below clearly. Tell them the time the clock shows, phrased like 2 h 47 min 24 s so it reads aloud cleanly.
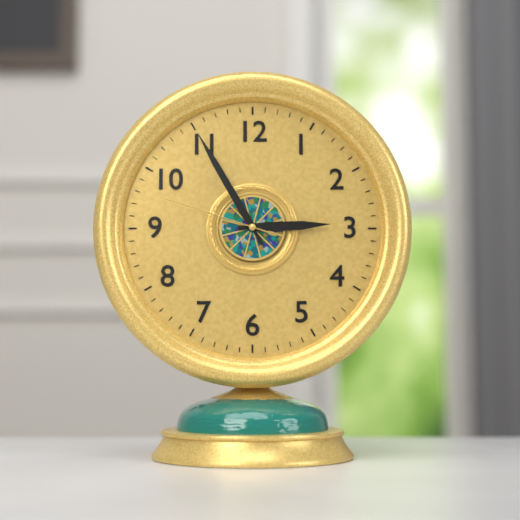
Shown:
2 h 55 min 48 s
